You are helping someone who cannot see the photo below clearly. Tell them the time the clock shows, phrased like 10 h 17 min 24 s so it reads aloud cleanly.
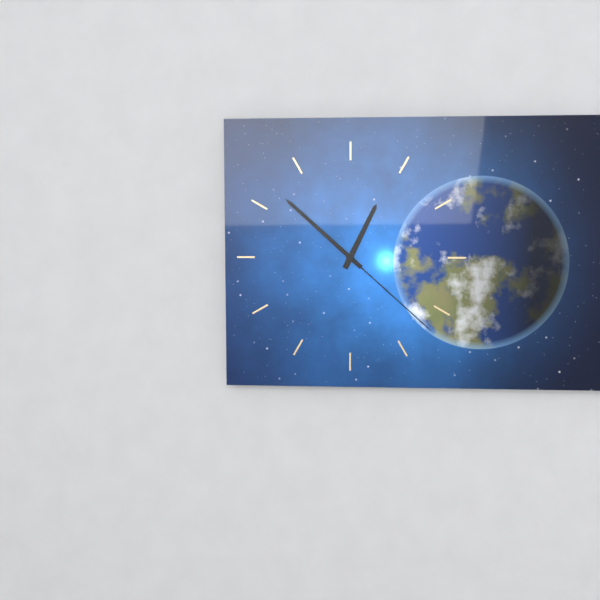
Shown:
12 h 52 min 22 s
